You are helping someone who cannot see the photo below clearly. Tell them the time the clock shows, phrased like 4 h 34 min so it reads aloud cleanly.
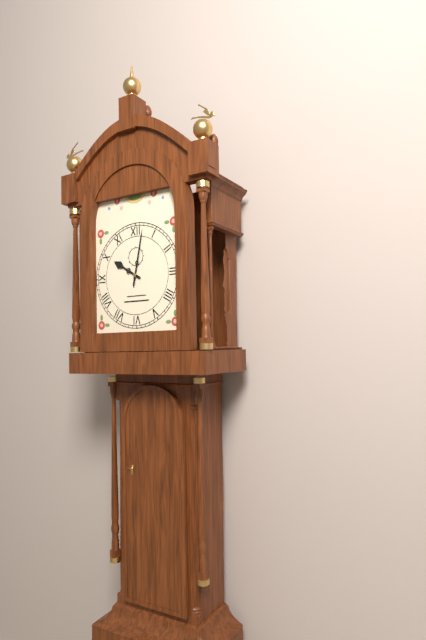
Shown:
10 h 02 min
